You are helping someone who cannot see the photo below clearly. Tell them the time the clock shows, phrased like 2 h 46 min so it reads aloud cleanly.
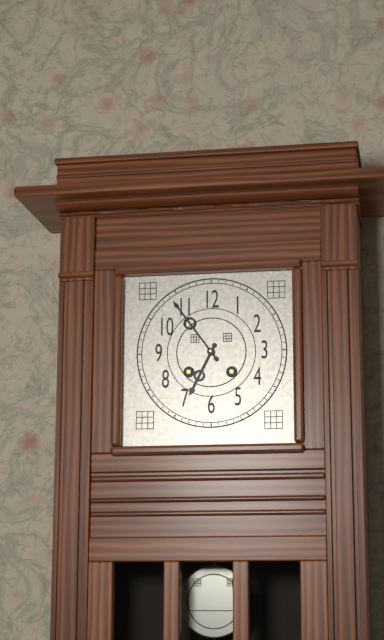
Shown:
6 h 54 min
